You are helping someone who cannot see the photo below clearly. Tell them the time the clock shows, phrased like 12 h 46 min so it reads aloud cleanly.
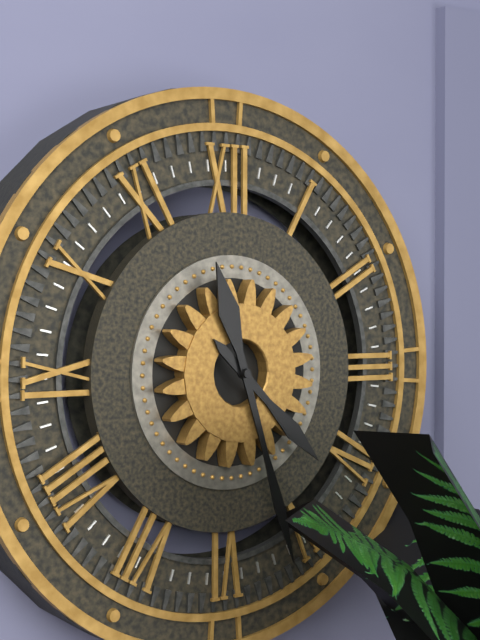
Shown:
4 h 27 min
